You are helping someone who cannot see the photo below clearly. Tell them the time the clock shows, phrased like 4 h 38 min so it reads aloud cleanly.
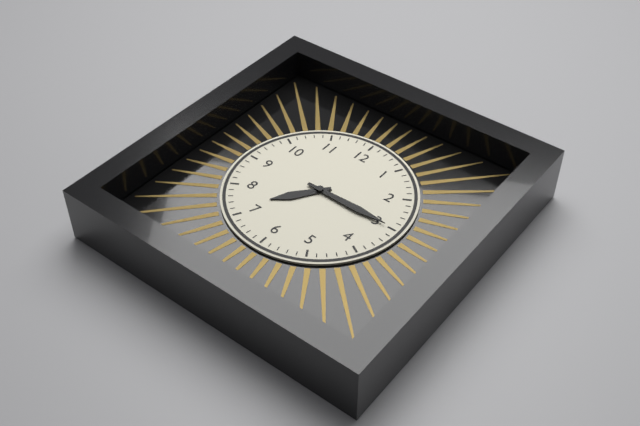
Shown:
7 h 15 min
